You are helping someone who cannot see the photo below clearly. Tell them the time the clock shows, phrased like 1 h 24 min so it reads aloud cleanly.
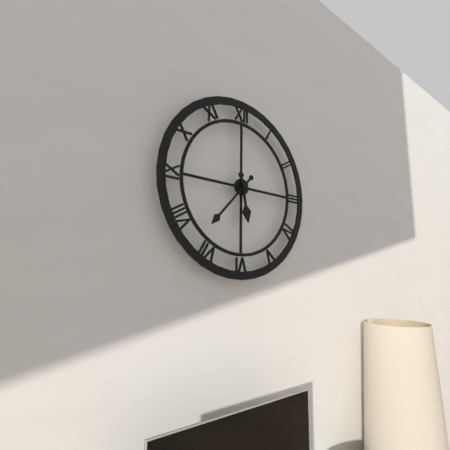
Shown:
5 h 37 min
